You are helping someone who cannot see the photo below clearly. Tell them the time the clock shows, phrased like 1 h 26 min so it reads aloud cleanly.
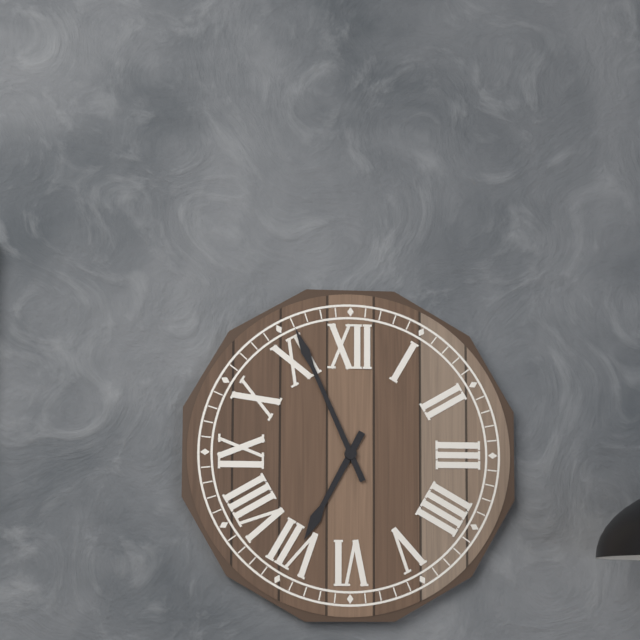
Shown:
6 h 56 min
